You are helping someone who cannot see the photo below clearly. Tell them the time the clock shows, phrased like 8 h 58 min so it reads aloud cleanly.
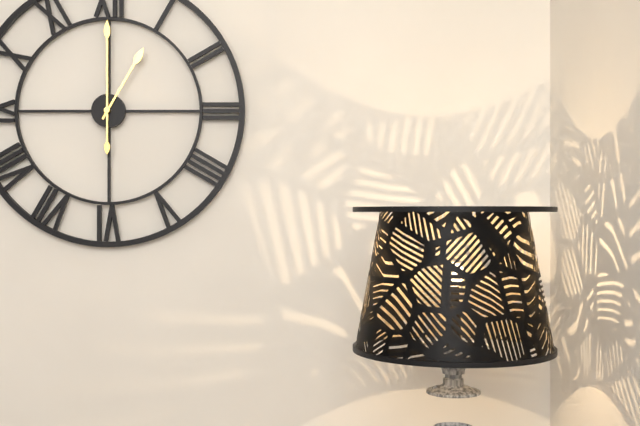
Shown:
1 h 00 min
